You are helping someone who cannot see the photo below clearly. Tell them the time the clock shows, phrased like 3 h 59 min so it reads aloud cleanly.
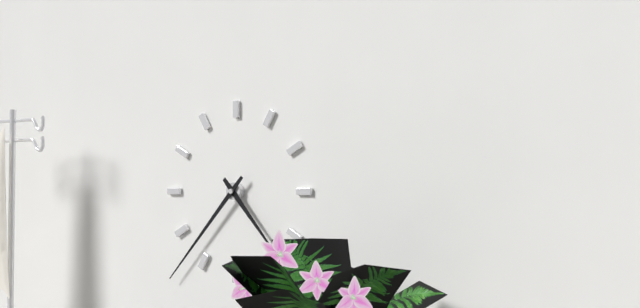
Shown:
4 h 37 min
